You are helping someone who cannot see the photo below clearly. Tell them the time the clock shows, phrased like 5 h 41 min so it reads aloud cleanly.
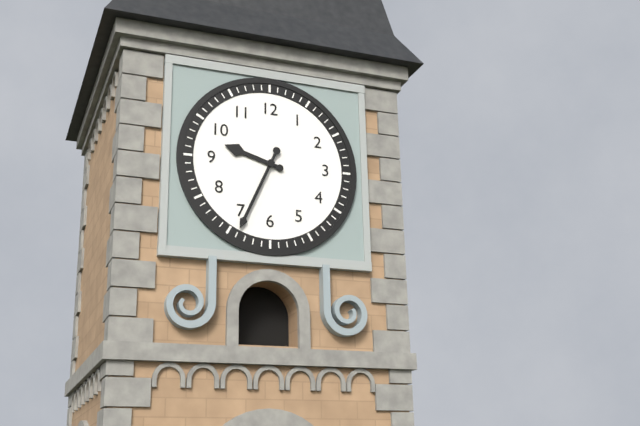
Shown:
9 h 34 min
